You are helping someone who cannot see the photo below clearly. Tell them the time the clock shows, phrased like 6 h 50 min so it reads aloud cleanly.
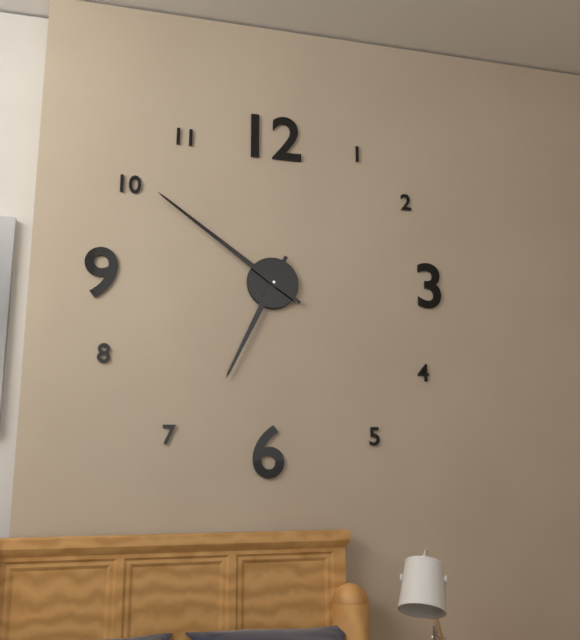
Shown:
6 h 51 min
